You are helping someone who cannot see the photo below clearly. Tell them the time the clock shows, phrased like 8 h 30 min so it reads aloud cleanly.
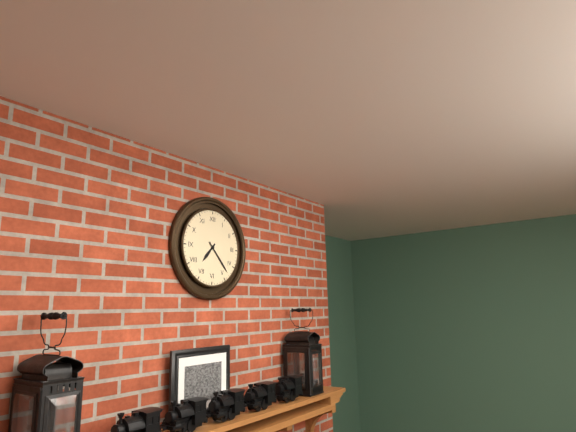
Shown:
7 h 23 min
